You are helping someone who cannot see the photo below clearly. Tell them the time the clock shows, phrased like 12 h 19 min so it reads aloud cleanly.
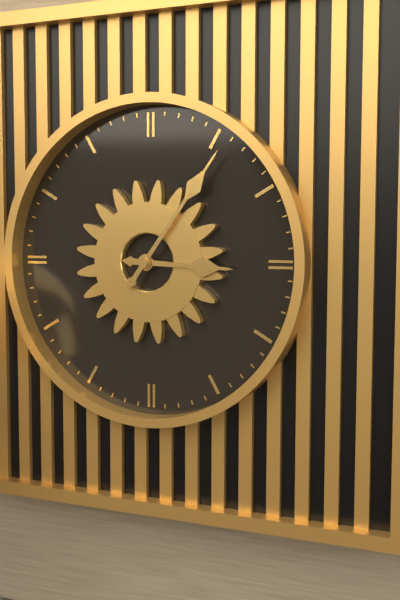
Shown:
3 h 06 min
